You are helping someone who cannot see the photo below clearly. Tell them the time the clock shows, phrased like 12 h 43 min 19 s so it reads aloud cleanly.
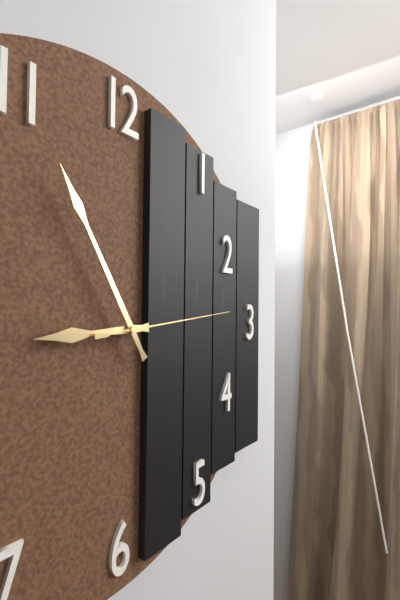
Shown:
8 h 55 min 14 s
